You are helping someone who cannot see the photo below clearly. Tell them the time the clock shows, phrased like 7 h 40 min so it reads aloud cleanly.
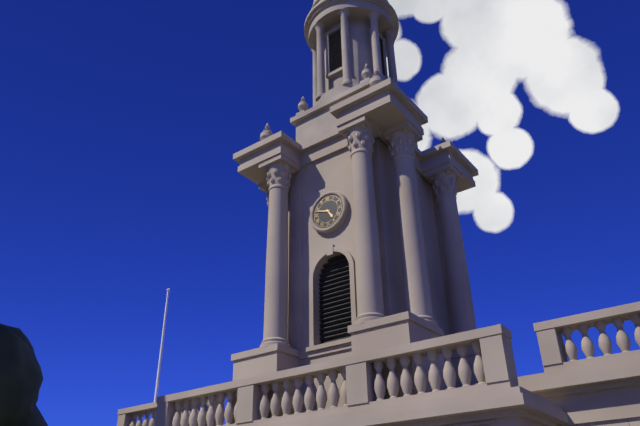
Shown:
4 h 48 min
